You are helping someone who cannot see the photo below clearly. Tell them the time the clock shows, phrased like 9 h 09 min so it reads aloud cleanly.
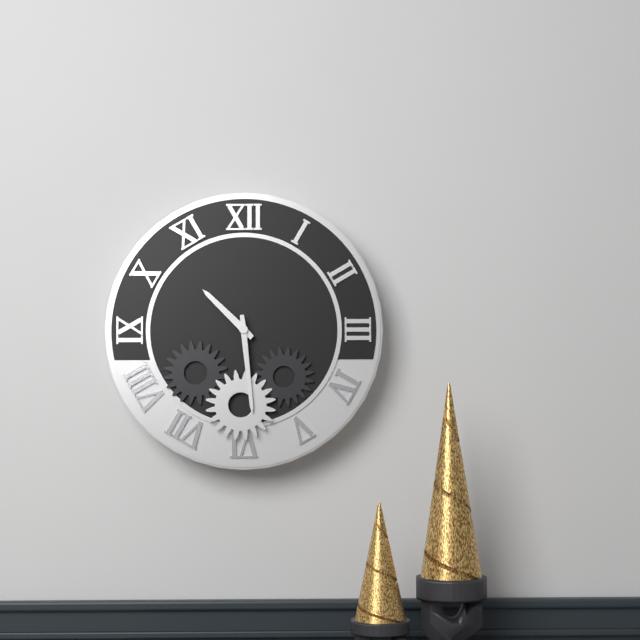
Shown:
10 h 29 min
